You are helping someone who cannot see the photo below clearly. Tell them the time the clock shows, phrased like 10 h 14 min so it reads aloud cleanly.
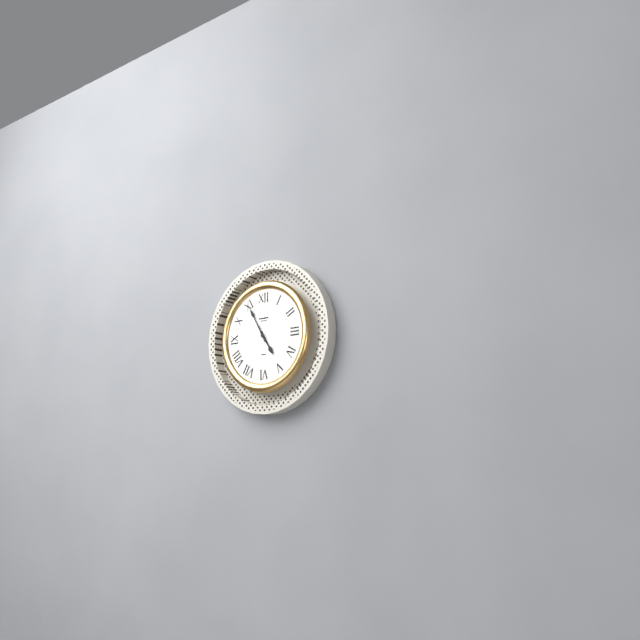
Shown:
4 h 55 min
